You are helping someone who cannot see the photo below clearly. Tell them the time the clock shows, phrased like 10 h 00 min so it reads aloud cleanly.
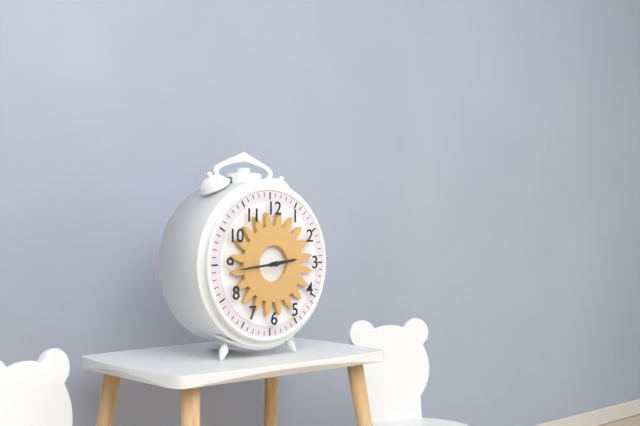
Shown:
2 h 44 min
